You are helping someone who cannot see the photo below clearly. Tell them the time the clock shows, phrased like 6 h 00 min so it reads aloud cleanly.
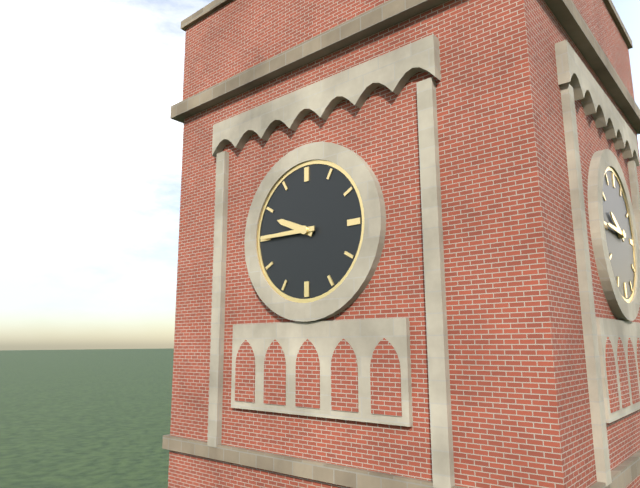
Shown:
9 h 45 min
